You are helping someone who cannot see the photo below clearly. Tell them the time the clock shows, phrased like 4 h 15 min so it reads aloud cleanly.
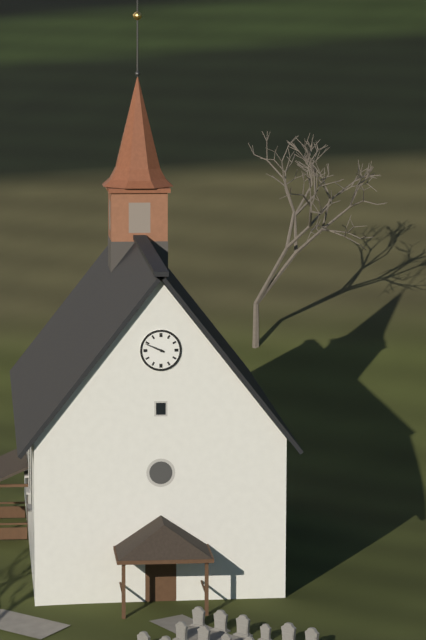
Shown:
9 h 49 min
